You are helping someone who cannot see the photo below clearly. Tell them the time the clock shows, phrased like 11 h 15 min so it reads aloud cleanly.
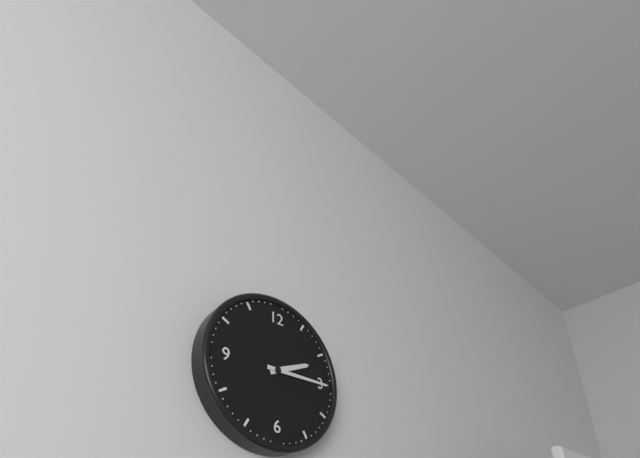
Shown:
2 h 15 min
